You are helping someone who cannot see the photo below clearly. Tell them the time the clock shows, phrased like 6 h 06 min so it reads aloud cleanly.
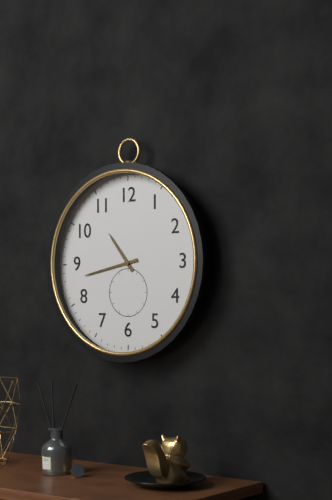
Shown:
10 h 43 min
